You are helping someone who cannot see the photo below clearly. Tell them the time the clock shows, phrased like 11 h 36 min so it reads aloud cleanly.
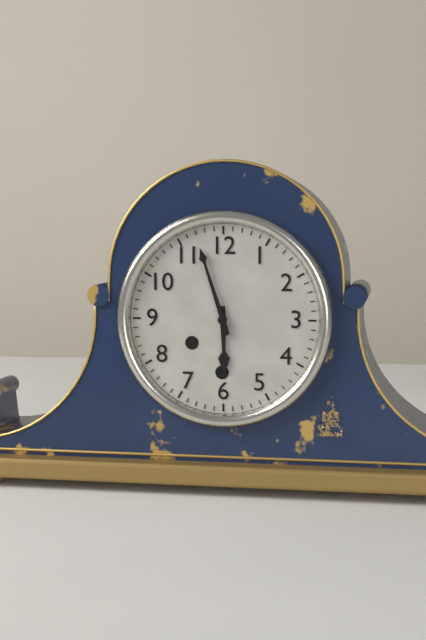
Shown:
5 h 57 min
